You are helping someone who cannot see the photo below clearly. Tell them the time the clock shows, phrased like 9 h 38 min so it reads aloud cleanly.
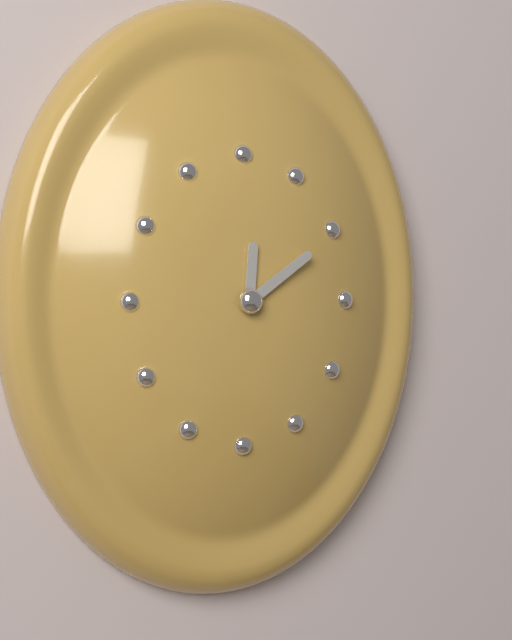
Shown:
12 h 09 min
